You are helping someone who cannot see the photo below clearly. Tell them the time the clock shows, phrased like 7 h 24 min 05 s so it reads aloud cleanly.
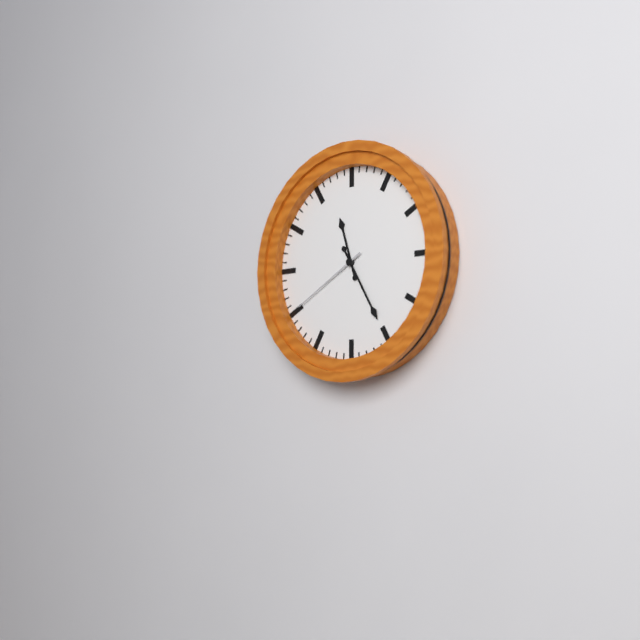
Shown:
11 h 25 min 40 s
